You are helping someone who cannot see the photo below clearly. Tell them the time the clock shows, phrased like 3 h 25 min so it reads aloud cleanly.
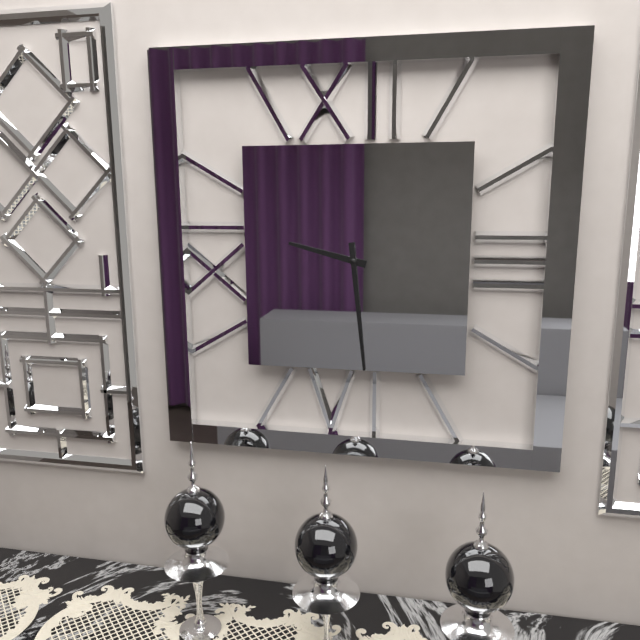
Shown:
9 h 29 min
